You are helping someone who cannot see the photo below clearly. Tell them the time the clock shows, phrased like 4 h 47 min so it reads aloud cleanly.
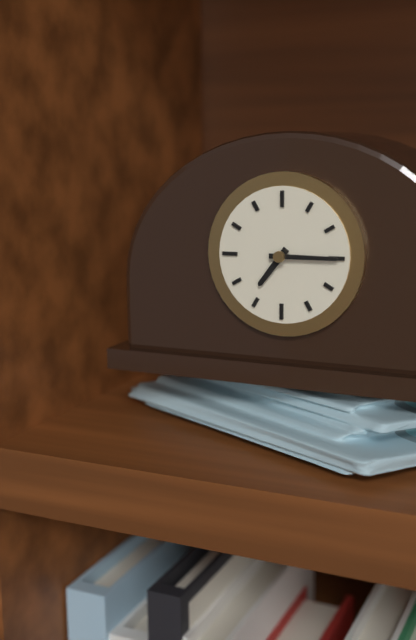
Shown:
7 h 15 min
